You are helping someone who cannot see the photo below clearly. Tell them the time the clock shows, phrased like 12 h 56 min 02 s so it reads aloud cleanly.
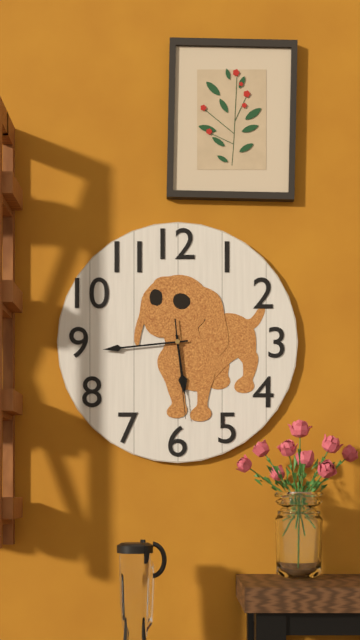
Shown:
5 h 44 min 29 s
